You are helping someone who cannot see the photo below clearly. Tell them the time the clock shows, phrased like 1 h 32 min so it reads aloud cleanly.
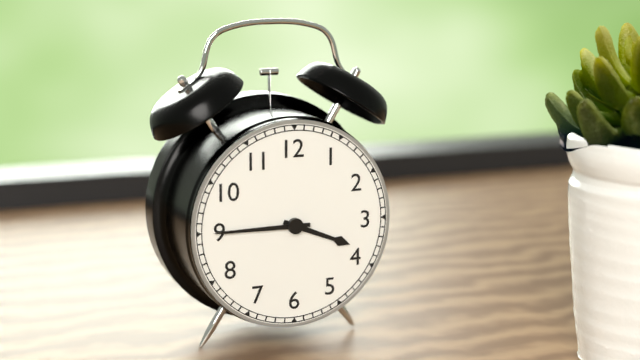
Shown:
3 h 45 min
